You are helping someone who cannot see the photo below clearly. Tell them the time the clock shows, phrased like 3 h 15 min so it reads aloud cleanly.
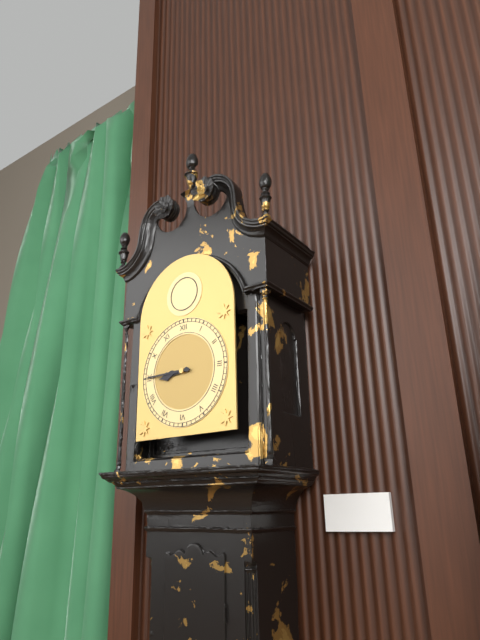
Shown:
8 h 45 min
